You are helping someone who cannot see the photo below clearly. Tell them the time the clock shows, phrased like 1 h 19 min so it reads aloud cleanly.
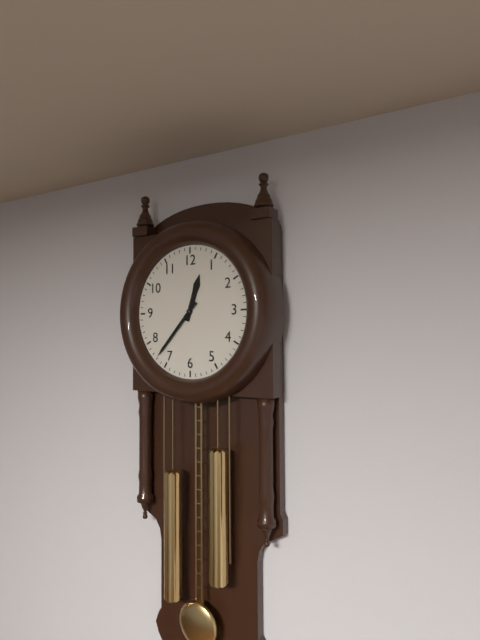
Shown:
12 h 37 min
